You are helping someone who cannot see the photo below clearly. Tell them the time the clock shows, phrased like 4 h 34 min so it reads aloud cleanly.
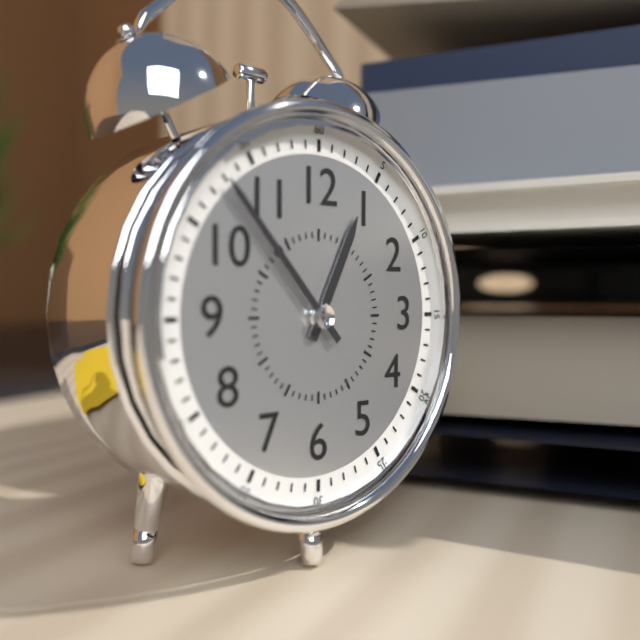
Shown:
12 h 53 min
